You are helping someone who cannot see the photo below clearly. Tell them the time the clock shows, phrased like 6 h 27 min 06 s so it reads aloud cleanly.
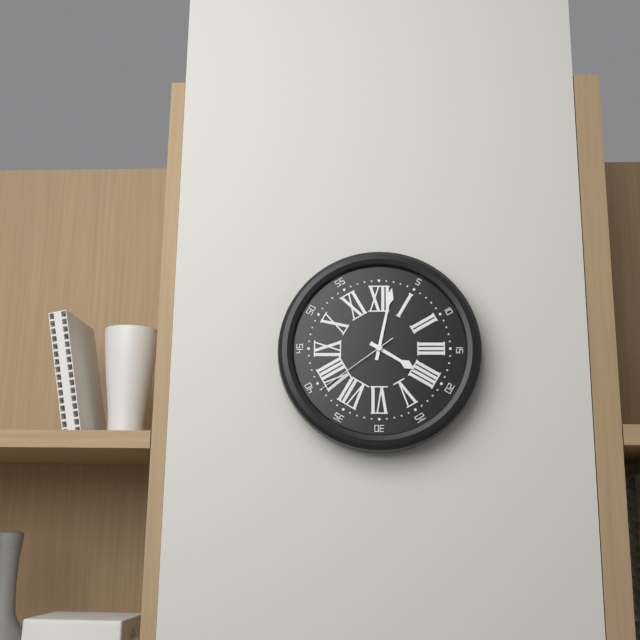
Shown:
4 h 02 min 39 s
